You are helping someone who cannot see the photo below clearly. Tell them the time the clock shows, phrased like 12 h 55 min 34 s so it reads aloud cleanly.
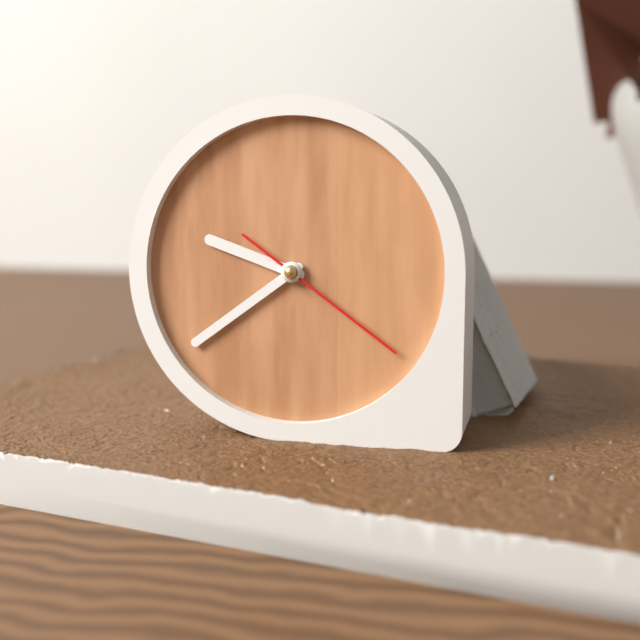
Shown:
9 h 39 min 21 s
